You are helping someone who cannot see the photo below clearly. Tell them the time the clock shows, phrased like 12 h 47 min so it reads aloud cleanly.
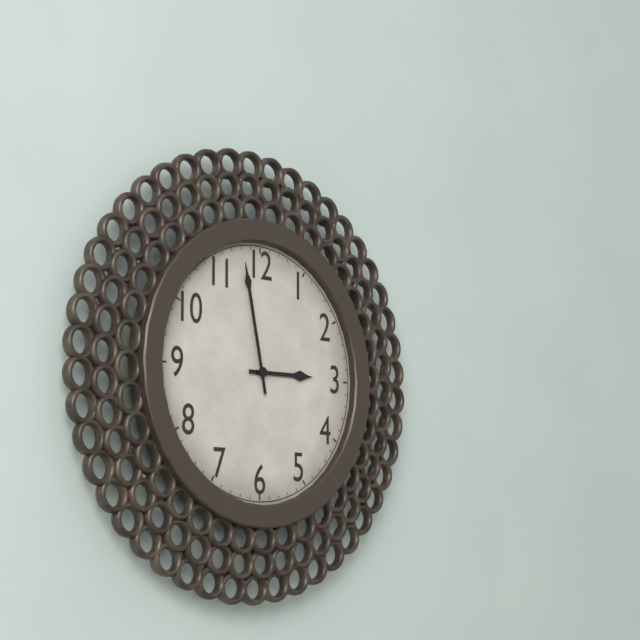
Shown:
2 h 58 min
